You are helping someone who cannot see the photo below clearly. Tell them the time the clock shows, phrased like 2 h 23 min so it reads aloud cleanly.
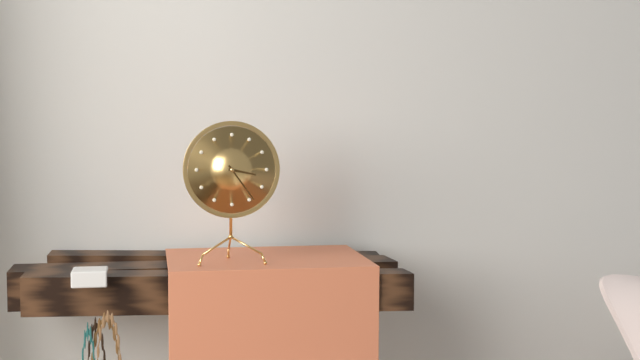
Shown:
3 h 24 min
